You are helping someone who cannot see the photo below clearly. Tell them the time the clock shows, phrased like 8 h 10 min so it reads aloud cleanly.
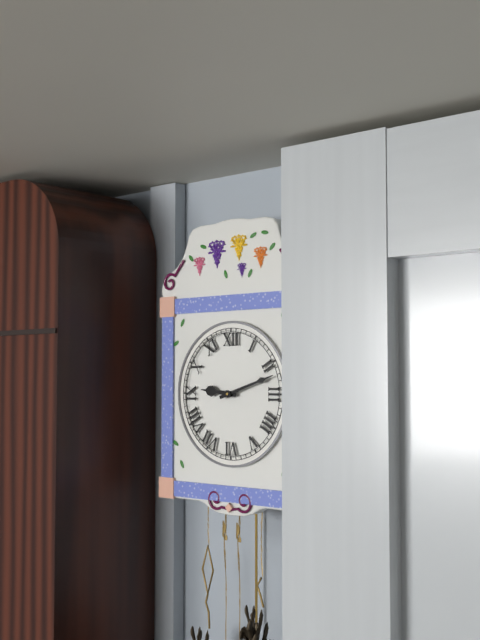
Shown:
9 h 12 min
